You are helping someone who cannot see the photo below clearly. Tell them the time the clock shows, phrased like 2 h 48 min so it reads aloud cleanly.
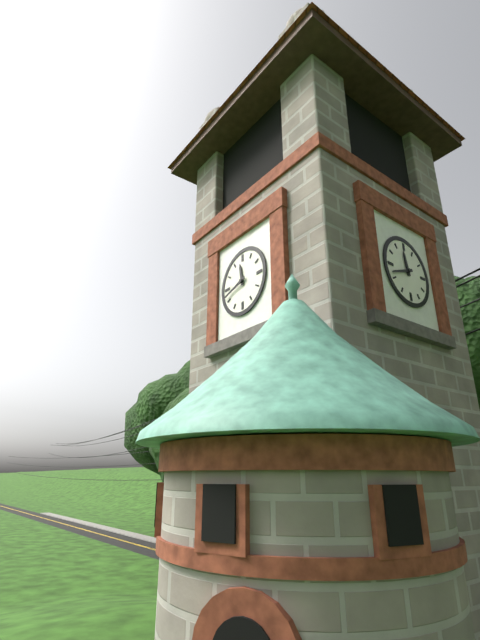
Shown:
11 h 42 min
